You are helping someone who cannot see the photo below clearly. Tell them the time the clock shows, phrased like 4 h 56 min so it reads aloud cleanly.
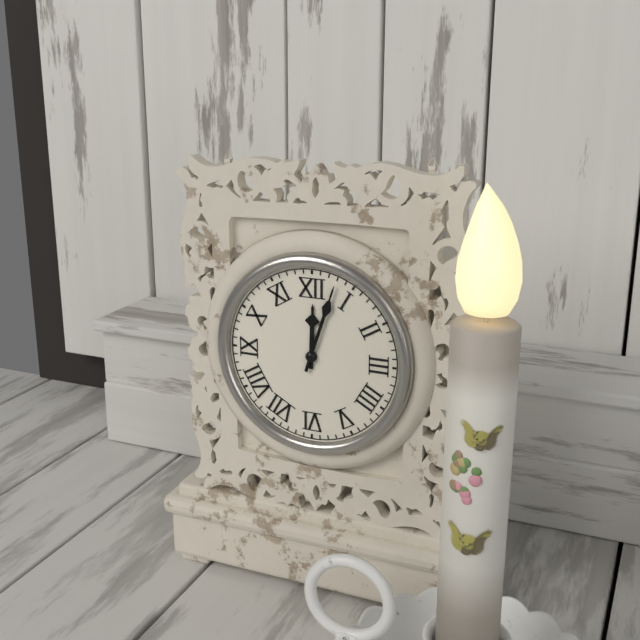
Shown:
12 h 03 min
